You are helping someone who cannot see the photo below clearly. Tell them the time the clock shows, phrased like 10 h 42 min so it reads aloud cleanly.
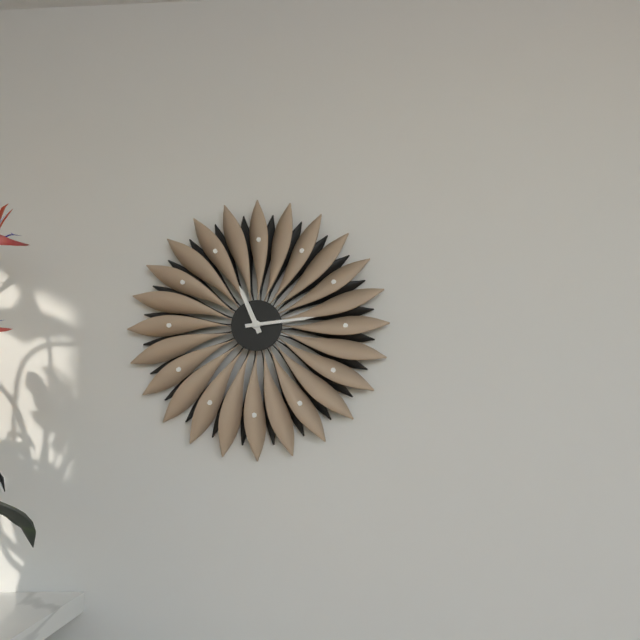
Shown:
11 h 14 min
